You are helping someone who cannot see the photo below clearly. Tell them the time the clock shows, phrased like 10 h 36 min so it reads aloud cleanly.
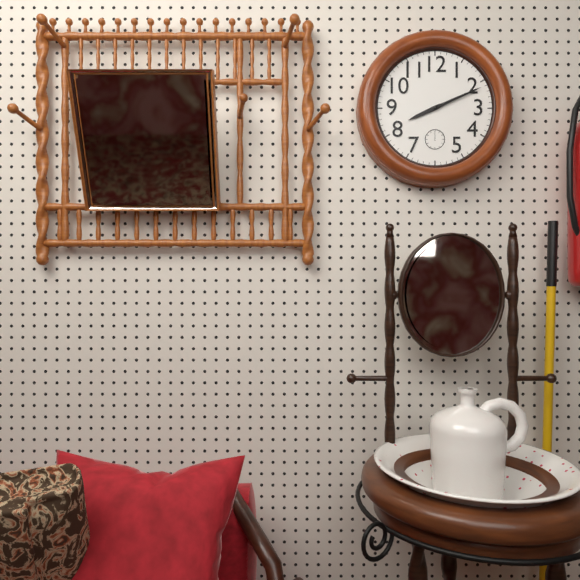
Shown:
8 h 11 min
